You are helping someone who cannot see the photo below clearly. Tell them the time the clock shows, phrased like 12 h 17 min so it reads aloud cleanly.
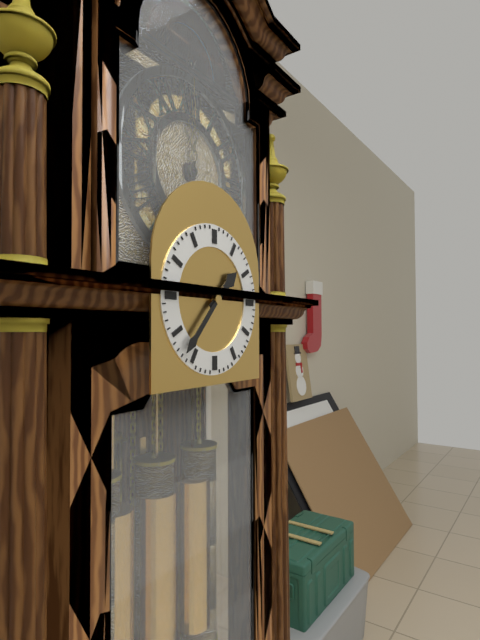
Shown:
1 h 37 min
